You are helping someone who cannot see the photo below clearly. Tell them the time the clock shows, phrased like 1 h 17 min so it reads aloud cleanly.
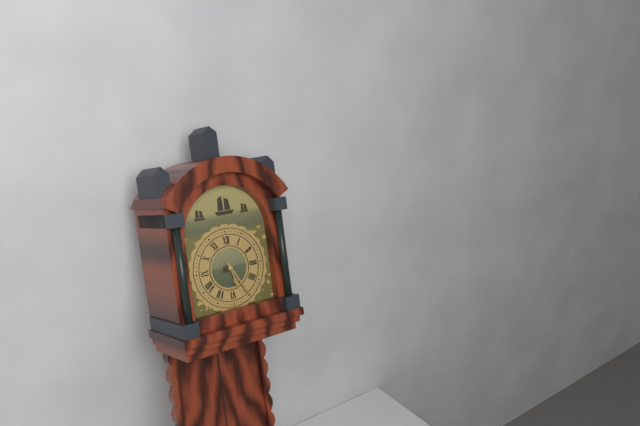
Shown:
5 h 25 min
